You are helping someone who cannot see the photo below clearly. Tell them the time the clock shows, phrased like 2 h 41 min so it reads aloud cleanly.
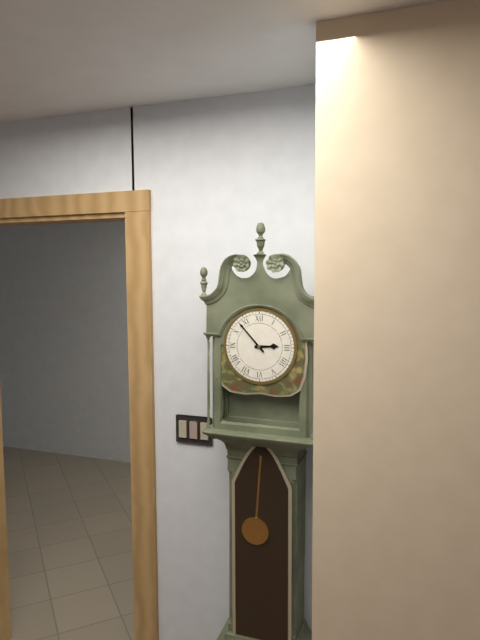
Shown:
2 h 53 min
